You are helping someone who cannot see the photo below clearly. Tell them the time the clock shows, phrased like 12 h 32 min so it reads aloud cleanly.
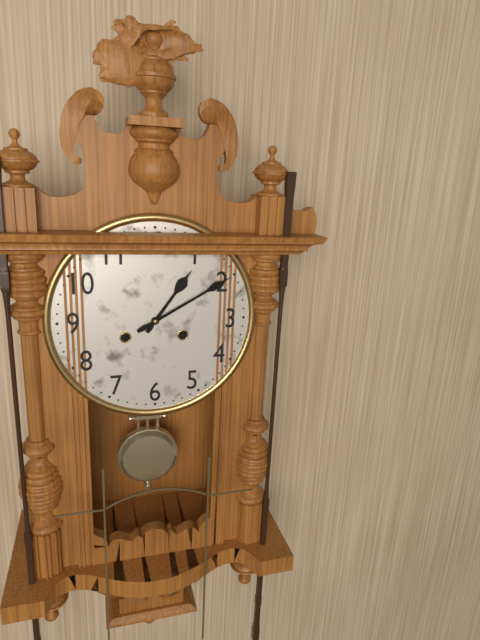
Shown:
1 h 10 min
